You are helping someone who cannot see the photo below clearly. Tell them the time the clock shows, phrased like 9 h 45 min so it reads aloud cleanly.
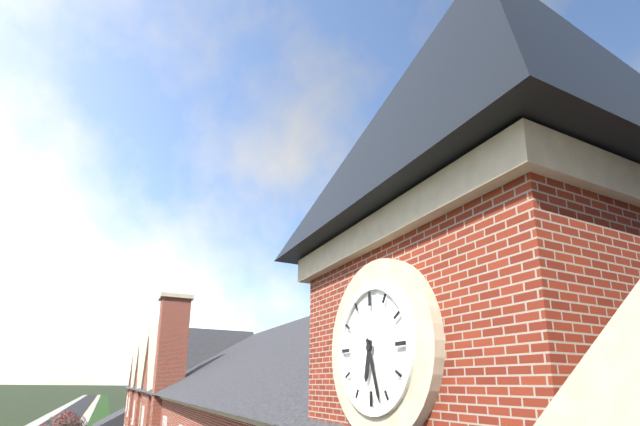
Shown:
6 h 27 min
